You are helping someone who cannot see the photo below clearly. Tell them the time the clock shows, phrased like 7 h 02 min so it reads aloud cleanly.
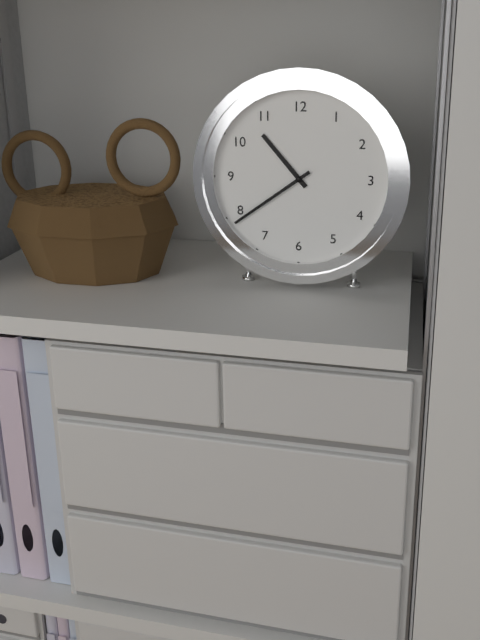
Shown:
10 h 39 min
